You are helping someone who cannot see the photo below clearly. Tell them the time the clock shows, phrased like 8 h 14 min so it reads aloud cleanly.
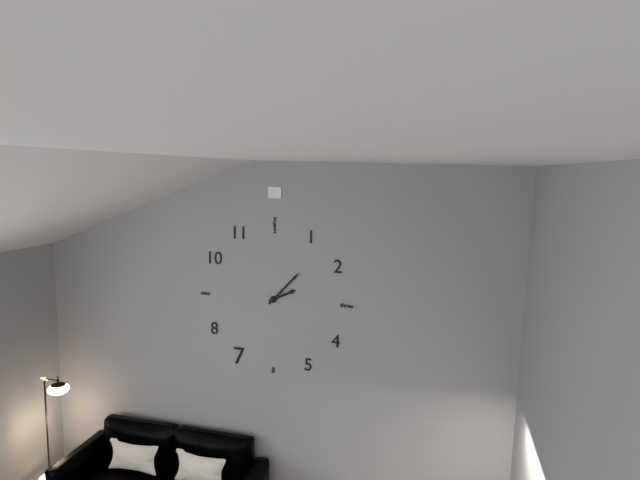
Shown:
2 h 07 min
